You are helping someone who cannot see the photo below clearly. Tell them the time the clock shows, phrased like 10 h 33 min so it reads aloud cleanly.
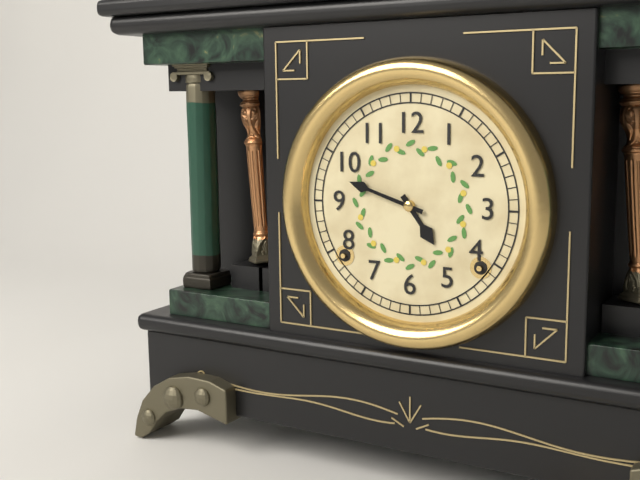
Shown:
4 h 48 min
